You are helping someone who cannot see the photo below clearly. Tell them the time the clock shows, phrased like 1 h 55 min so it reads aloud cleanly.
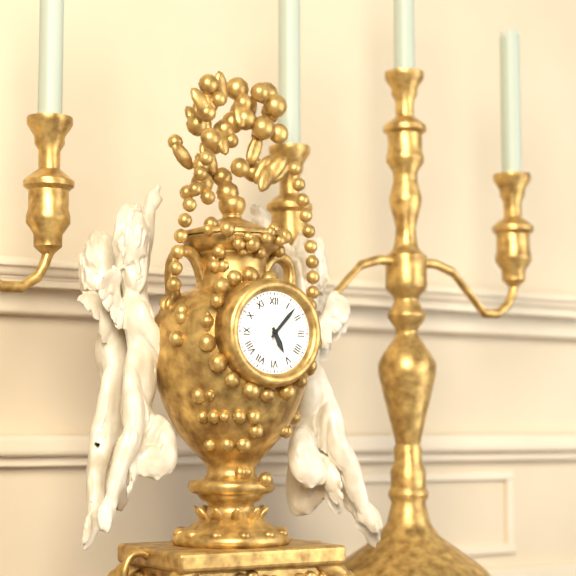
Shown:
5 h 07 min
